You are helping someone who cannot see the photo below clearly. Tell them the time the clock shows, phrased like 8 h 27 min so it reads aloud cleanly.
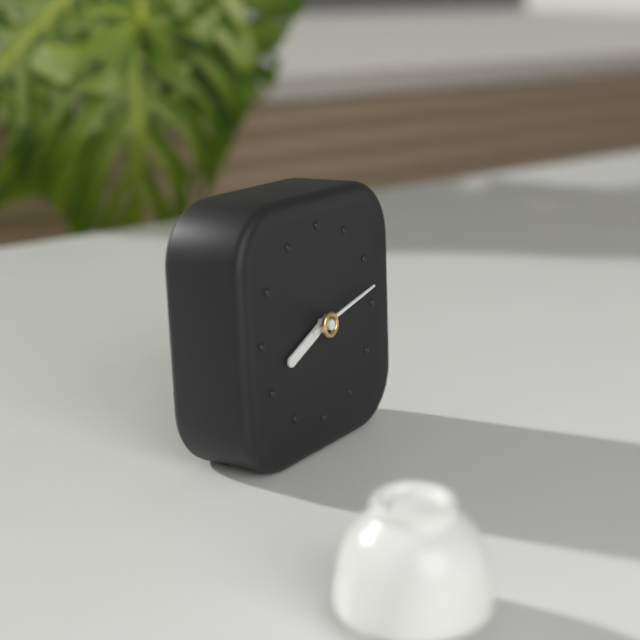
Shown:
8 h 13 min
